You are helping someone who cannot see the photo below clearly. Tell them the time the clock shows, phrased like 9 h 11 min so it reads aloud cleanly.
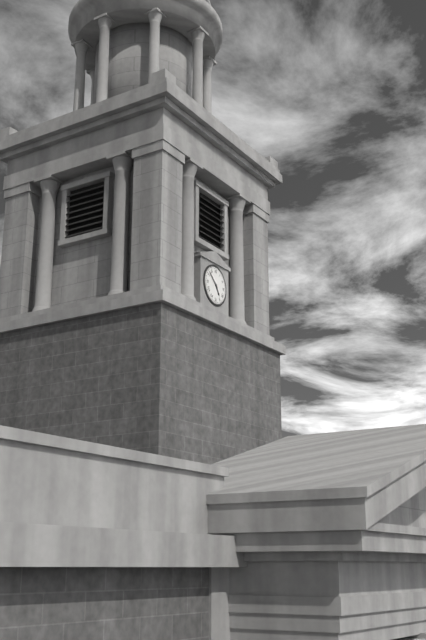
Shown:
4 h 52 min
